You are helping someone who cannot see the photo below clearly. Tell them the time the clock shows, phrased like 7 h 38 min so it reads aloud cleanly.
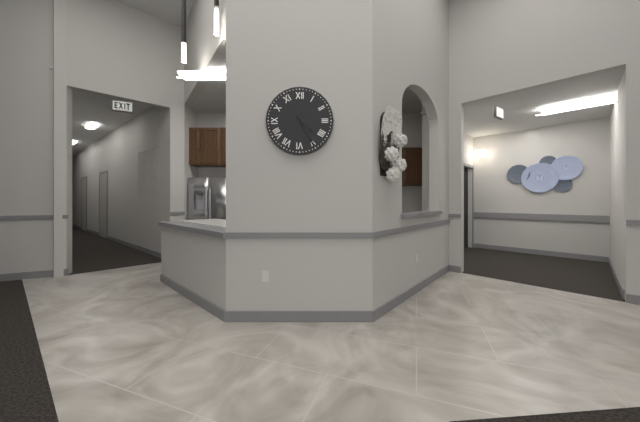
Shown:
4 h 25 min
